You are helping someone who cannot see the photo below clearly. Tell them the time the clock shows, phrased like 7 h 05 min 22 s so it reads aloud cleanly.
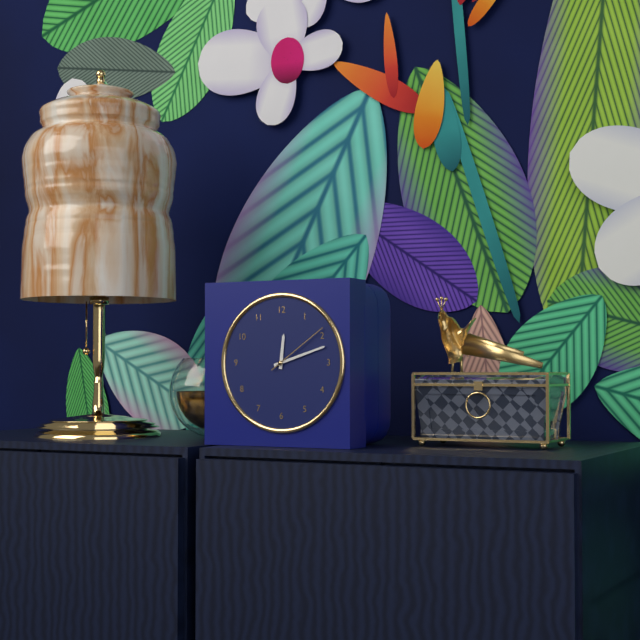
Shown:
12 h 12 min 09 s
